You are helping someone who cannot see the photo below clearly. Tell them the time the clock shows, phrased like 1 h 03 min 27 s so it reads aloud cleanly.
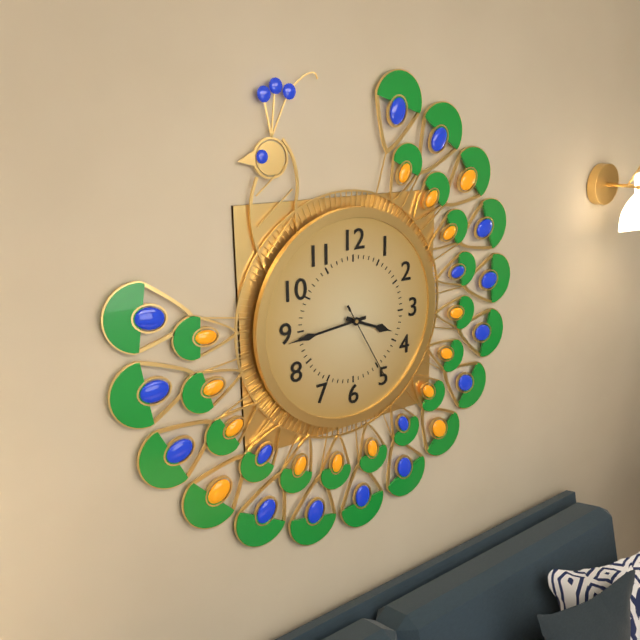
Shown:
3 h 44 min 25 s
